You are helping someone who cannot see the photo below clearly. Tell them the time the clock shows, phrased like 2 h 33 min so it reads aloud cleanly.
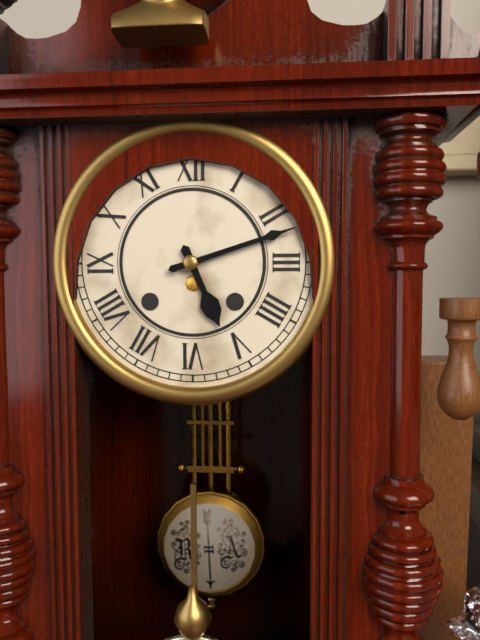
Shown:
5 h 12 min
